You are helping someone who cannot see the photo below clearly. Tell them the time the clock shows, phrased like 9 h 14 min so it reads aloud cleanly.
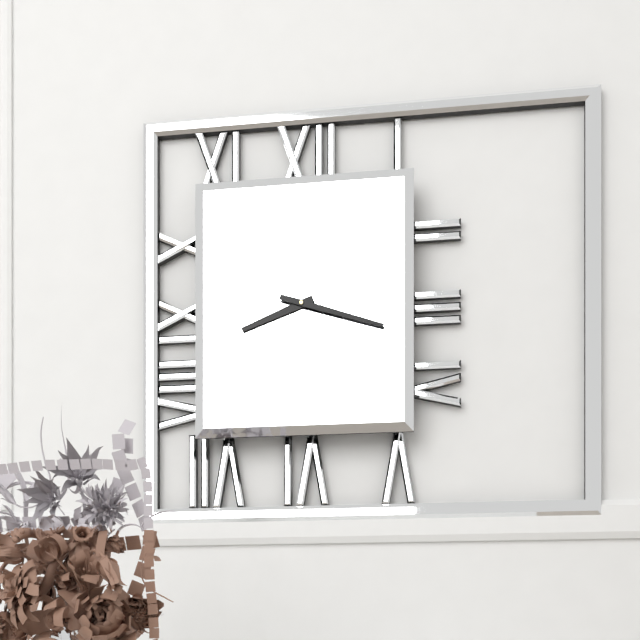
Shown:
8 h 18 min
